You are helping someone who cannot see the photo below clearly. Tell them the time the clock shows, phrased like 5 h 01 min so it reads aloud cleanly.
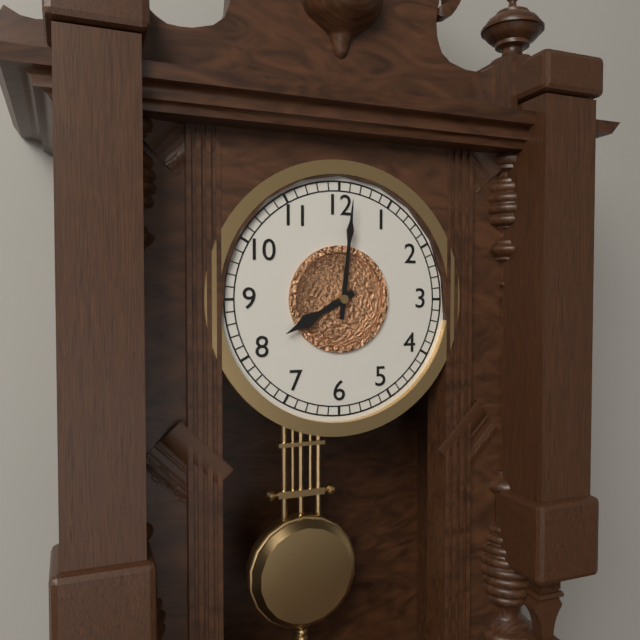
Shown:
8 h 01 min
